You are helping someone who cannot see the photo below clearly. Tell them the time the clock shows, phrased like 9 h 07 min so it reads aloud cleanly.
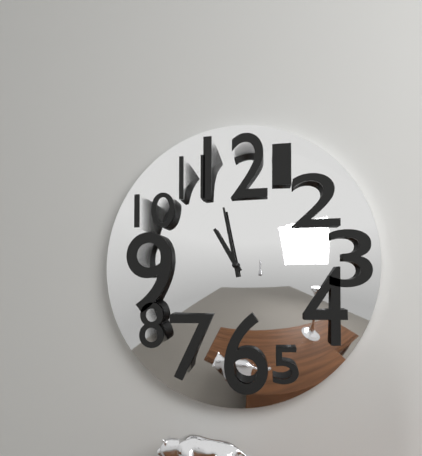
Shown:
10 h 58 min
